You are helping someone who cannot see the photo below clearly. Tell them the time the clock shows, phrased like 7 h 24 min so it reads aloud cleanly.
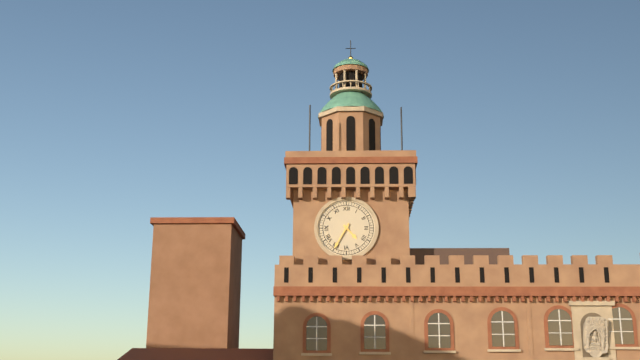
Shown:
4 h 35 min
